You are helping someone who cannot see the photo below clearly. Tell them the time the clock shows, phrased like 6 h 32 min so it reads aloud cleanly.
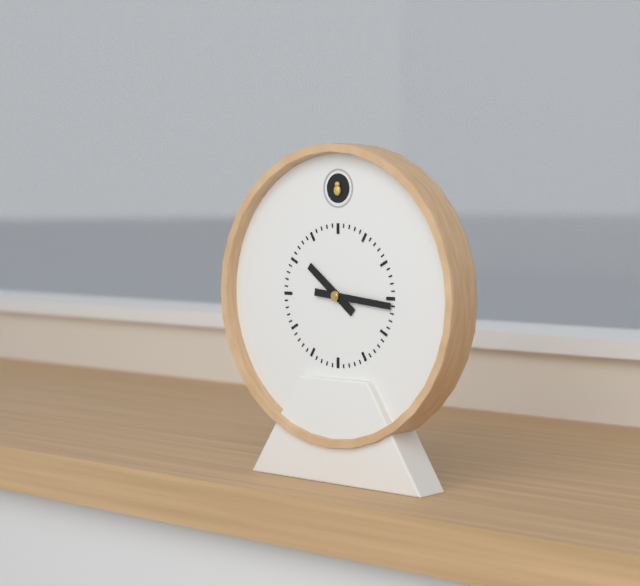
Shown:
10 h 16 min
